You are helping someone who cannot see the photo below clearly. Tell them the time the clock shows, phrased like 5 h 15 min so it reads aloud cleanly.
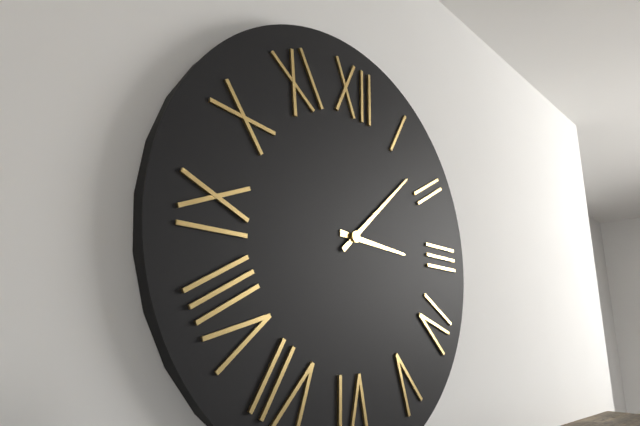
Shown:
3 h 08 min
